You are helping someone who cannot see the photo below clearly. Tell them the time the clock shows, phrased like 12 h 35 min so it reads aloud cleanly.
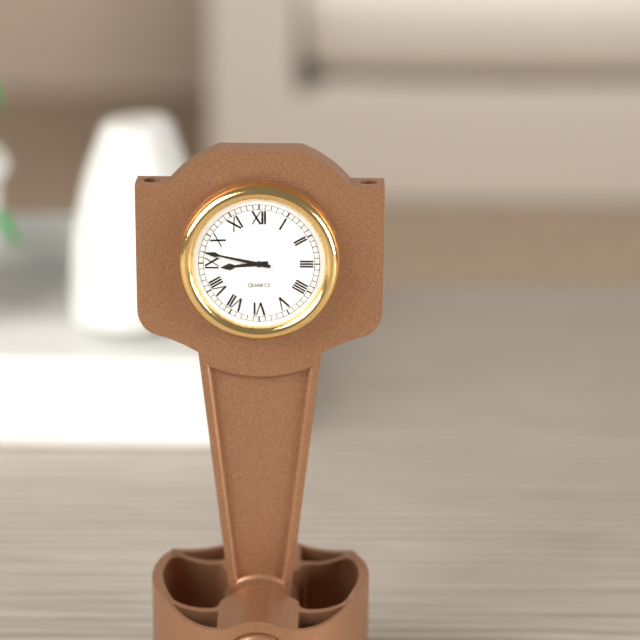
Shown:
8 h 47 min
